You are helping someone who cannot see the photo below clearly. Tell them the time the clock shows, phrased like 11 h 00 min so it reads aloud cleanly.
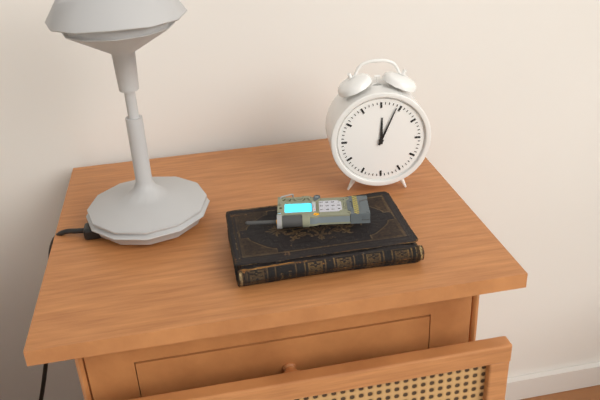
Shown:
12 h 04 min
